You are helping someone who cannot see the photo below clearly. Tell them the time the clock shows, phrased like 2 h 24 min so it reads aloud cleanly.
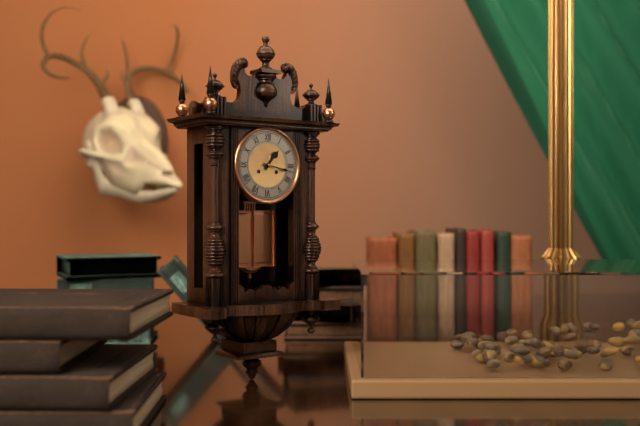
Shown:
1 h 17 min
